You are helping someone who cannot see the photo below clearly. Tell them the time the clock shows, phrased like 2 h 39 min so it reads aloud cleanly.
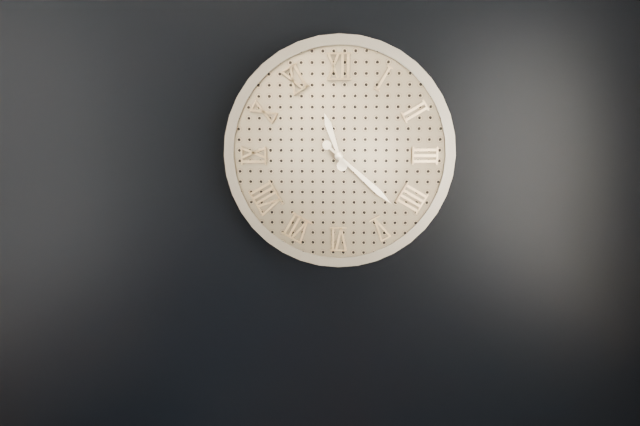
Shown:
11 h 22 min
